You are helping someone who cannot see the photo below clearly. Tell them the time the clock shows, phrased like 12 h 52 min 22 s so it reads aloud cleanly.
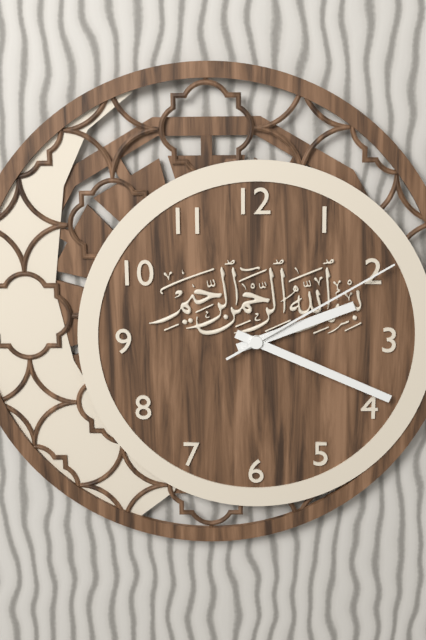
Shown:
2 h 19 min 10 s
